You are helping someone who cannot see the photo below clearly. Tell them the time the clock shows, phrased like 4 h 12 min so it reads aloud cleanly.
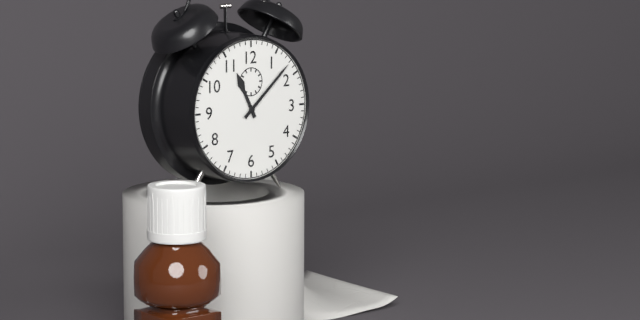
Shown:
11 h 08 min
